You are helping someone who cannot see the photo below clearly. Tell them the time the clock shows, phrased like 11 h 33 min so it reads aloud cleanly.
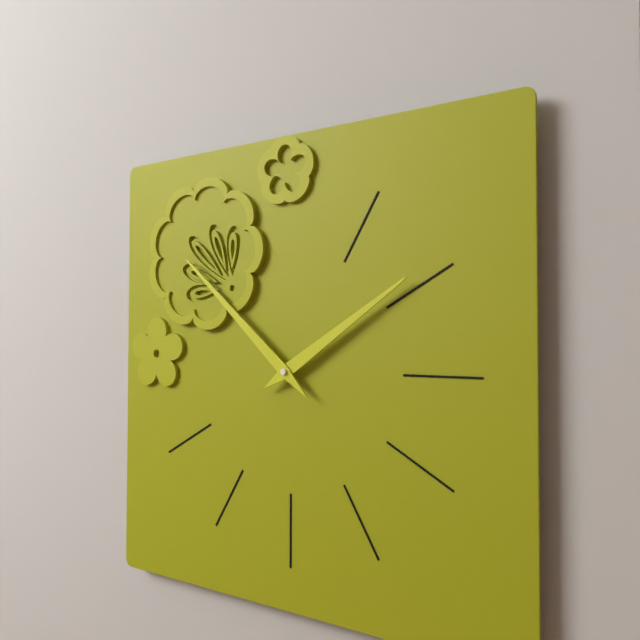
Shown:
1 h 52 min
